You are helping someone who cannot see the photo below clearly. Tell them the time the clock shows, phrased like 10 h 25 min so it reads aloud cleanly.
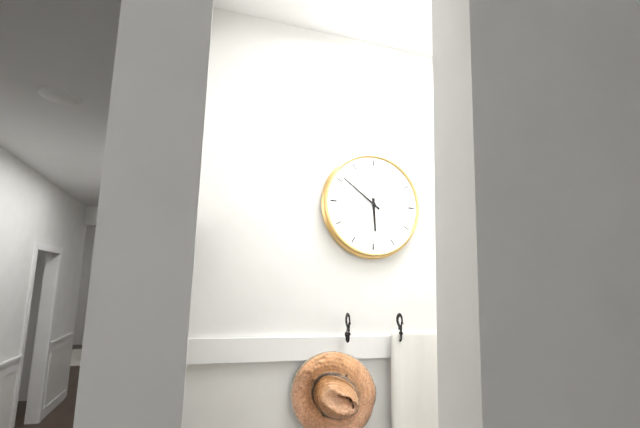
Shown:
5 h 51 min
